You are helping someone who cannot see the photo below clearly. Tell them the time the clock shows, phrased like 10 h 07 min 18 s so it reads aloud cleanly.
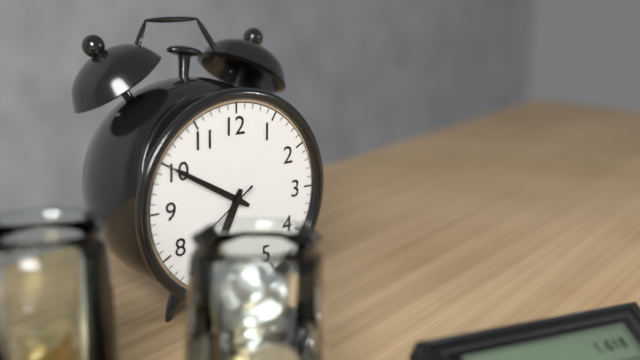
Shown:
6 h 50 min 39 s
